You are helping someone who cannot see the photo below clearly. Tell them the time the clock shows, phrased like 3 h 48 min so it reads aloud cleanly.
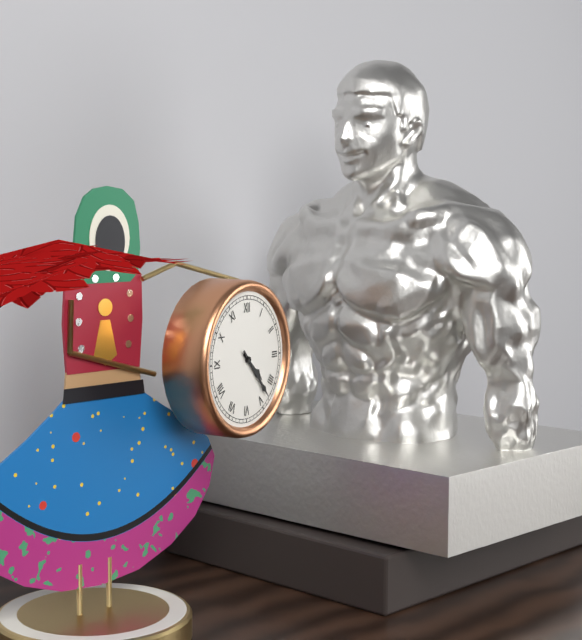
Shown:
4 h 23 min
